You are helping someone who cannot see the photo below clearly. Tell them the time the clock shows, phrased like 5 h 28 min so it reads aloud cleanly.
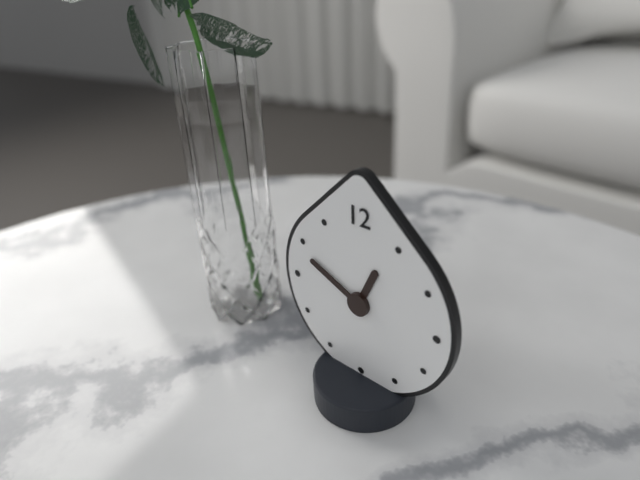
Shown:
12 h 49 min
